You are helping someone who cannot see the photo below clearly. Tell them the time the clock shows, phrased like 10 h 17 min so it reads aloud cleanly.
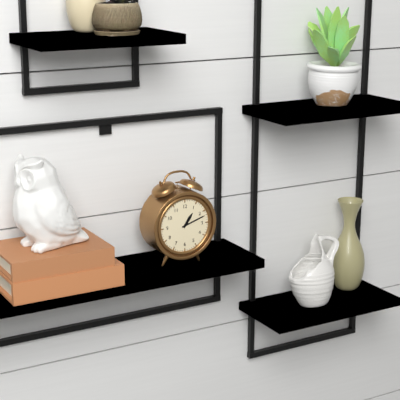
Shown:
1 h 12 min
